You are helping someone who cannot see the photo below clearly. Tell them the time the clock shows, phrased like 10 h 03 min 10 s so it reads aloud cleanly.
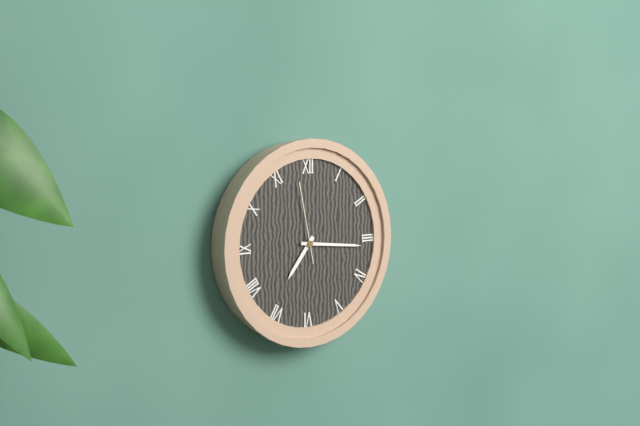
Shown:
7 h 16 min 58 s
